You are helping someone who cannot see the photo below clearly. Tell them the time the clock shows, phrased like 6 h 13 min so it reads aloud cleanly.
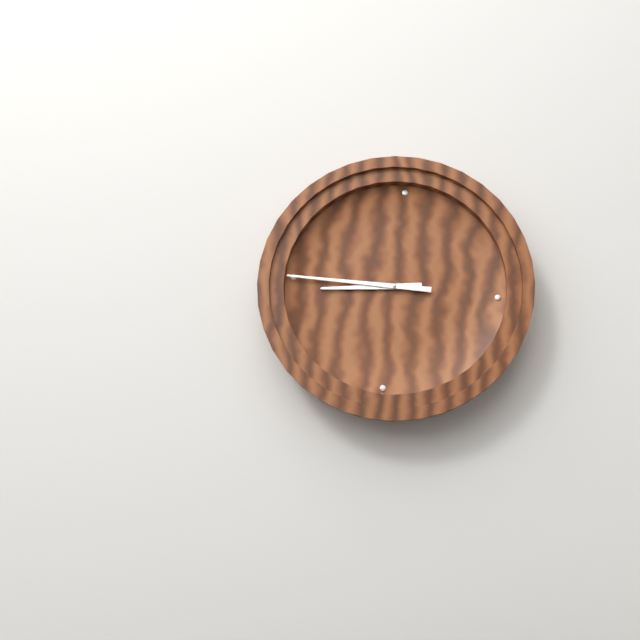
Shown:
8 h 45 min
